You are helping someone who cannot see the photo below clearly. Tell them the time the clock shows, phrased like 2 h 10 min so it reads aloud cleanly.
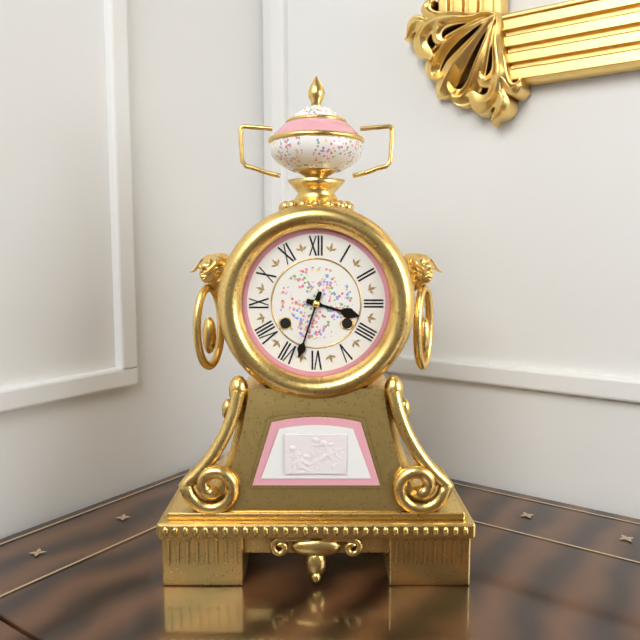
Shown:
3 h 33 min
